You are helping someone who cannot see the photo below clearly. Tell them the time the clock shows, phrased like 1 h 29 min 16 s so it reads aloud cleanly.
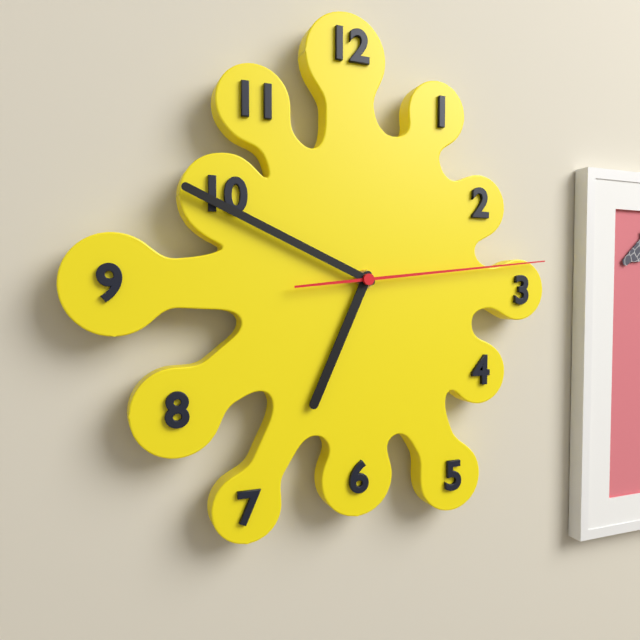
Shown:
6 h 49 min 14 s
